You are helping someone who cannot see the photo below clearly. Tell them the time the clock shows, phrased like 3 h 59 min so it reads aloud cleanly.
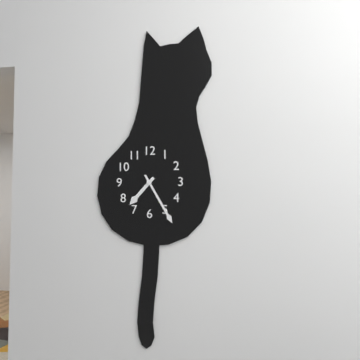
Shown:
7 h 25 min
